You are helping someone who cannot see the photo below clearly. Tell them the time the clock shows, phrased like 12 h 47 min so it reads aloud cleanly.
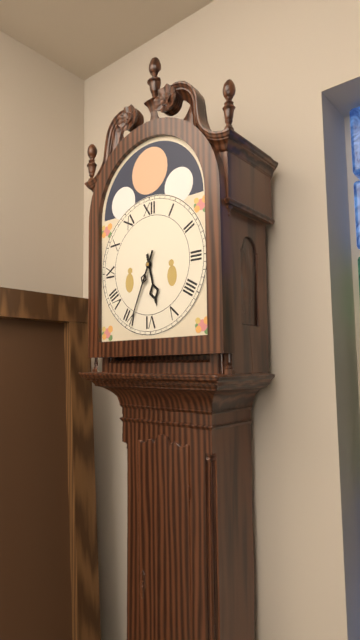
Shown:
5 h 34 min
